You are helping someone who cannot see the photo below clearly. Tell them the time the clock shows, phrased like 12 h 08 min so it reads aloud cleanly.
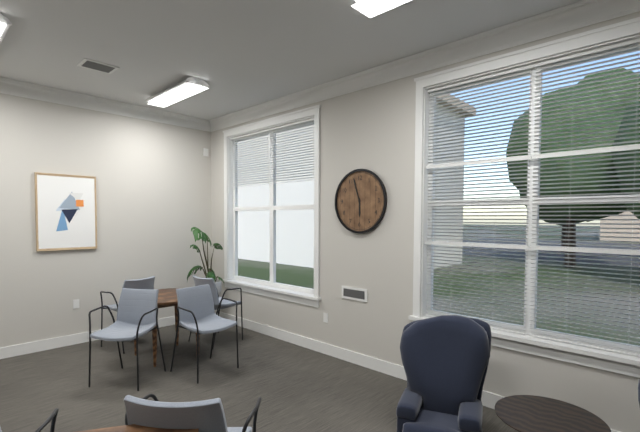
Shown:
5 h 57 min
